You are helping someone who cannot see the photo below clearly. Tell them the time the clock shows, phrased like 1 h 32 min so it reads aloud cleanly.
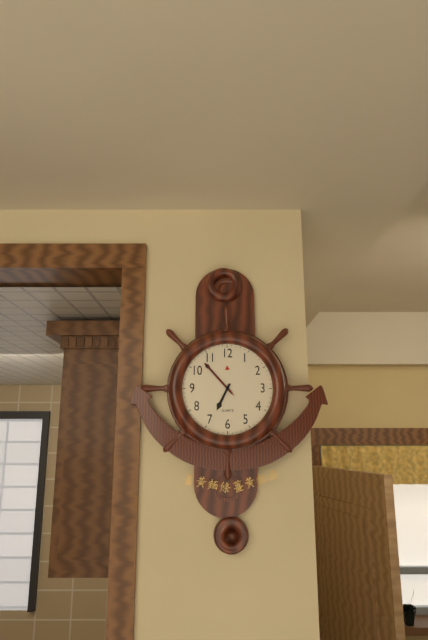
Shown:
6 h 53 min
